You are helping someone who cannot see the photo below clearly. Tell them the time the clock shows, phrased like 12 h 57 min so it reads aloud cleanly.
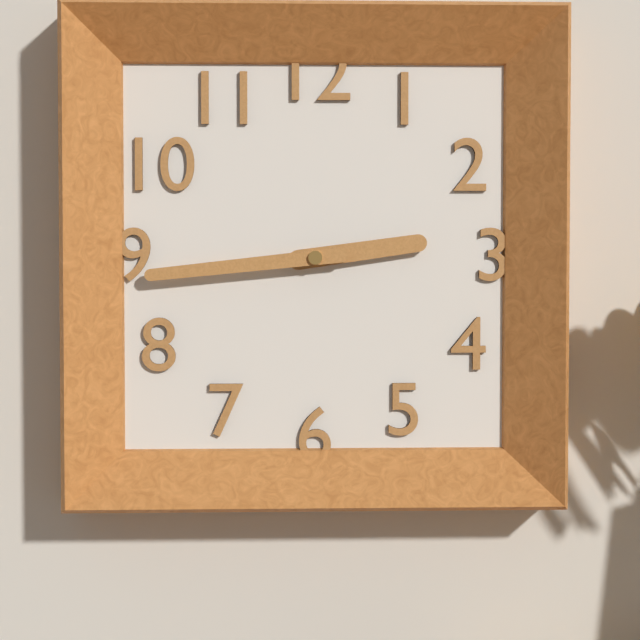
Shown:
2 h 44 min
